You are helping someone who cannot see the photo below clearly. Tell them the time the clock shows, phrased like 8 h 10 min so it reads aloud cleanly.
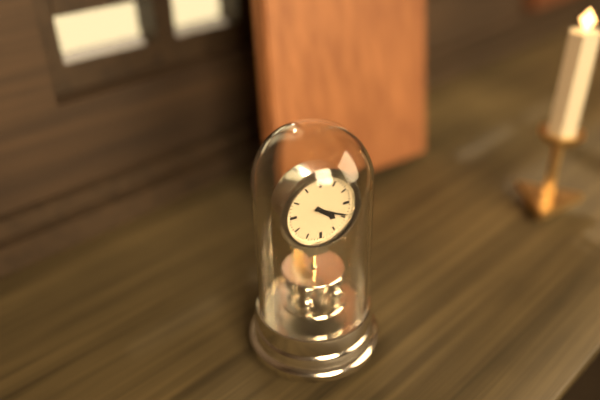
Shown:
4 h 19 min
